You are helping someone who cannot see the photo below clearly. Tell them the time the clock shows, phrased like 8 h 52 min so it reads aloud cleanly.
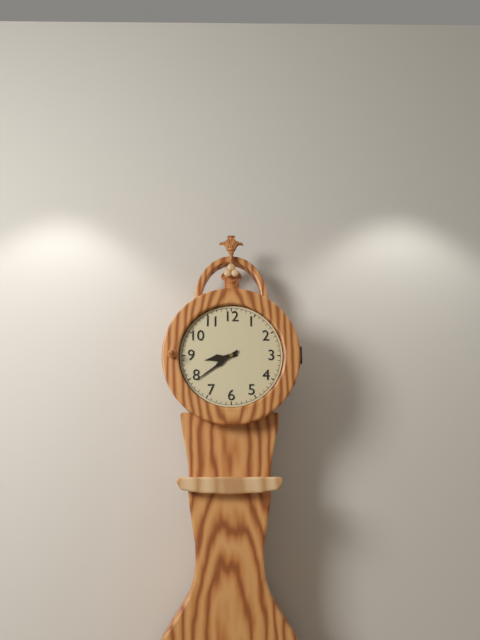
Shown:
8 h 39 min
